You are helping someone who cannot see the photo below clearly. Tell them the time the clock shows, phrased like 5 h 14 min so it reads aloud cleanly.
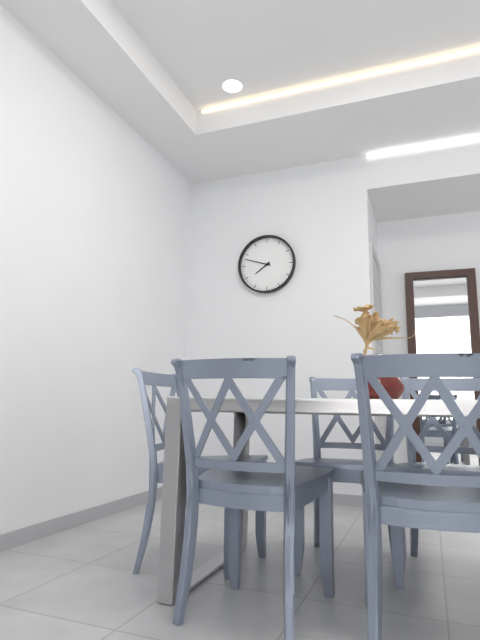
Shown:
7 h 48 min
